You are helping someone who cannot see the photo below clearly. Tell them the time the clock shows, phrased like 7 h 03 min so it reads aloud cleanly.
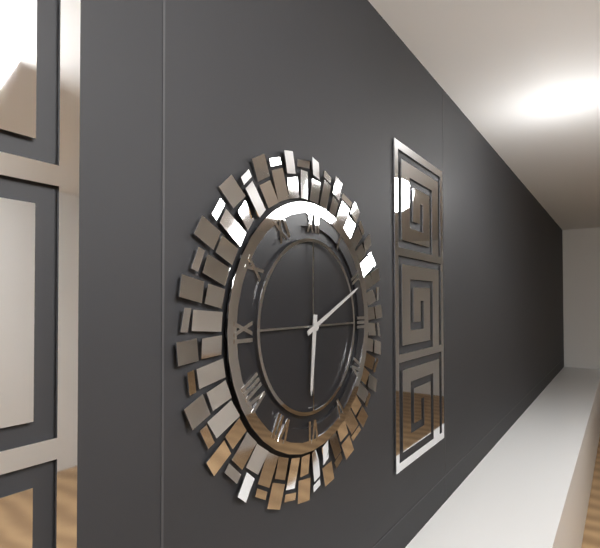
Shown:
6 h 11 min
